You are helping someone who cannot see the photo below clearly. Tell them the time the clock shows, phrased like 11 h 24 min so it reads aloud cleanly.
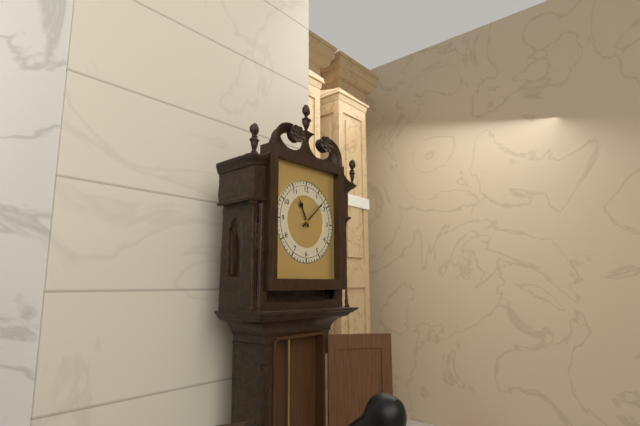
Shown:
11 h 08 min
